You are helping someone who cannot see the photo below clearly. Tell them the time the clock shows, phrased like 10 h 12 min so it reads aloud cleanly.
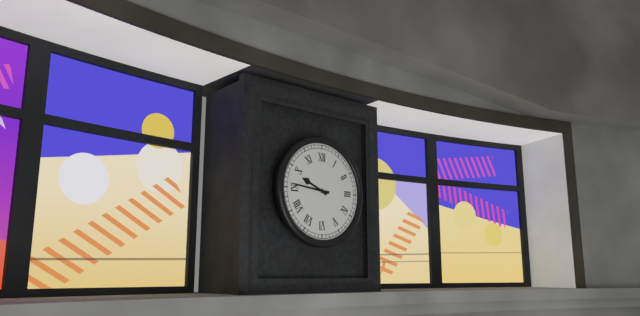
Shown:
9 h 46 min
